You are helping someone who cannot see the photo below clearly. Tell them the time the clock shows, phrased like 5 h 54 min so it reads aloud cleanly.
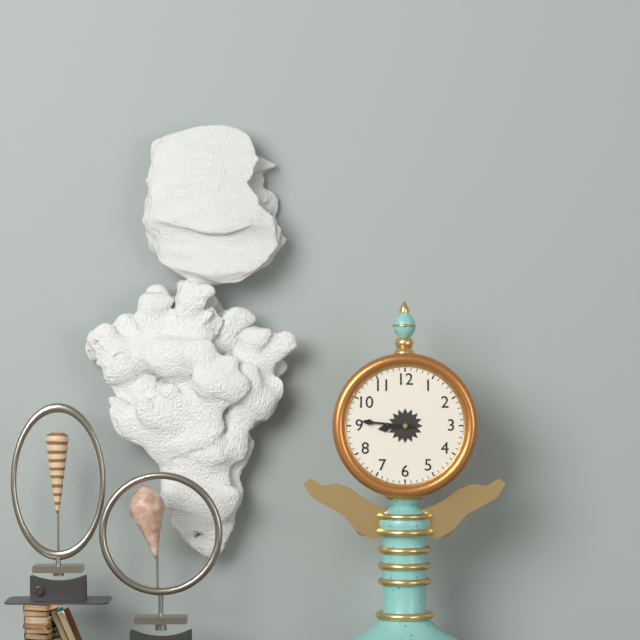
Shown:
8 h 46 min
